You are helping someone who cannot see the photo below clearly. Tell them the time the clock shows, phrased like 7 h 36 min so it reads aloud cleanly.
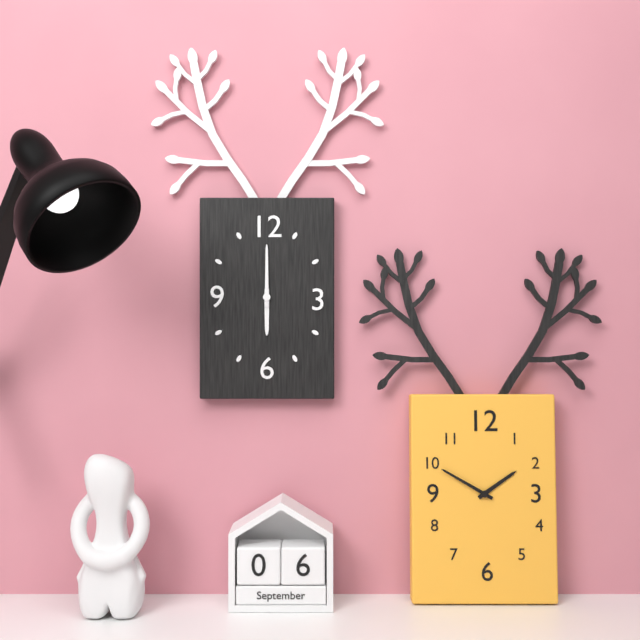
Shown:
6 h 00 min
